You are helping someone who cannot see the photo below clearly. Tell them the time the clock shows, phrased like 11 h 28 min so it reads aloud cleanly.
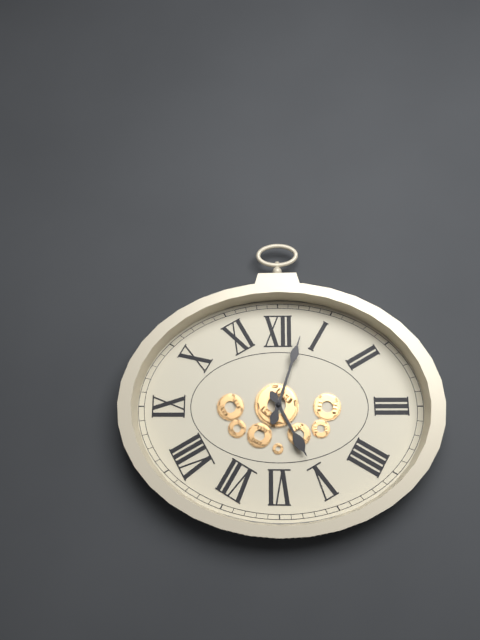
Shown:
5 h 03 min
